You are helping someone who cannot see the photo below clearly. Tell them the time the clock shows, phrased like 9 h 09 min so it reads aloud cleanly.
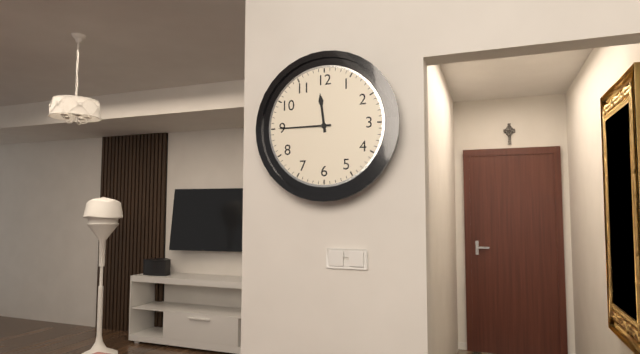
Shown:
11 h 45 min
